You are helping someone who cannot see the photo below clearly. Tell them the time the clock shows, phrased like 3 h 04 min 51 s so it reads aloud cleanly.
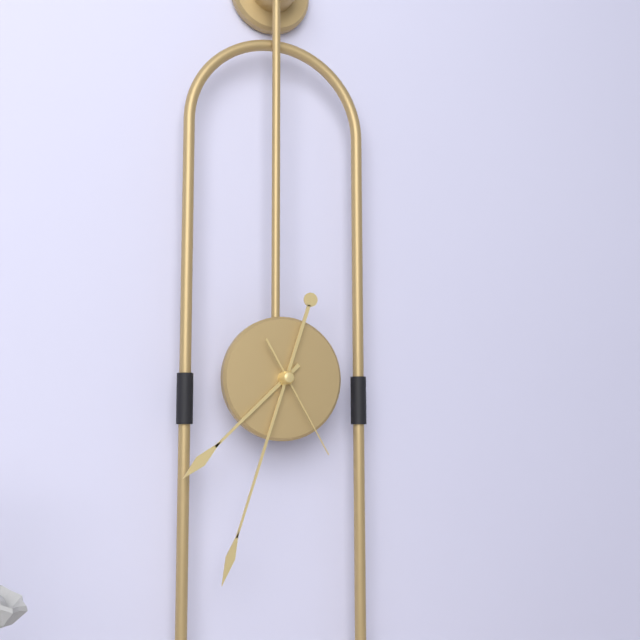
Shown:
7 h 33 min 25 s
